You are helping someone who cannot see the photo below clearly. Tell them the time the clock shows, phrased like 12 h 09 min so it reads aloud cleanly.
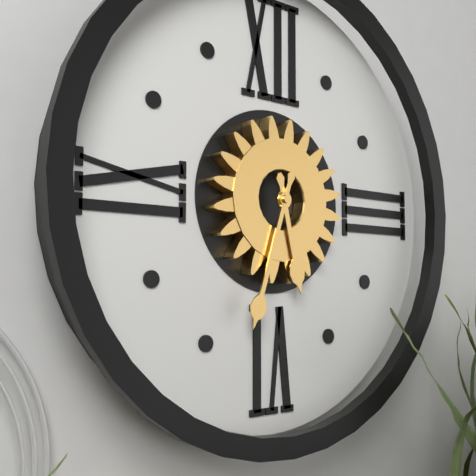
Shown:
5 h 33 min
